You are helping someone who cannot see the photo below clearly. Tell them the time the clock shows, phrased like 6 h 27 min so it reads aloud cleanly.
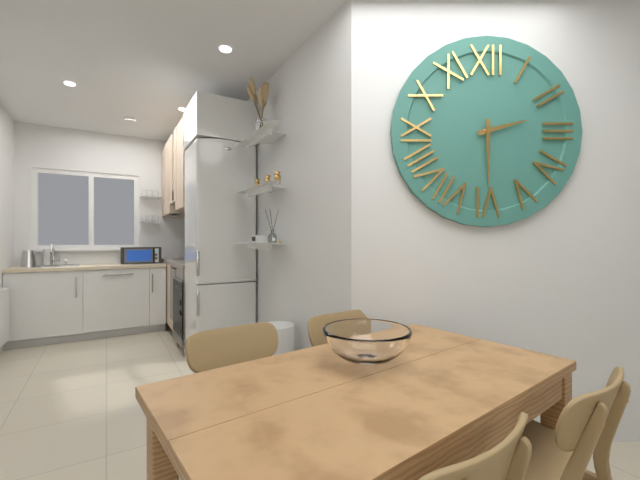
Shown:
2 h 30 min
